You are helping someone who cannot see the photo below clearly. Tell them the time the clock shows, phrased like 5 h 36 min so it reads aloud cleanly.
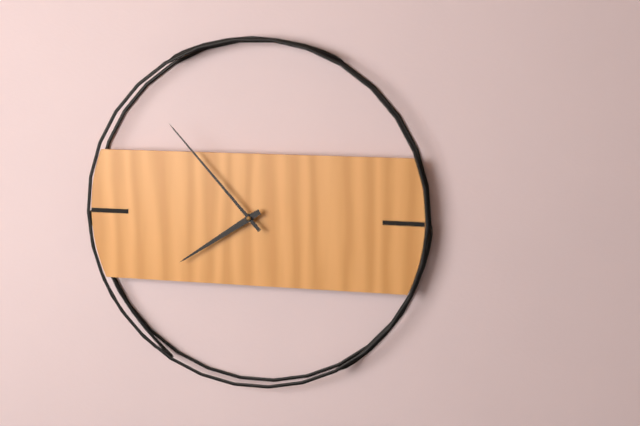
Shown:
7 h 53 min
